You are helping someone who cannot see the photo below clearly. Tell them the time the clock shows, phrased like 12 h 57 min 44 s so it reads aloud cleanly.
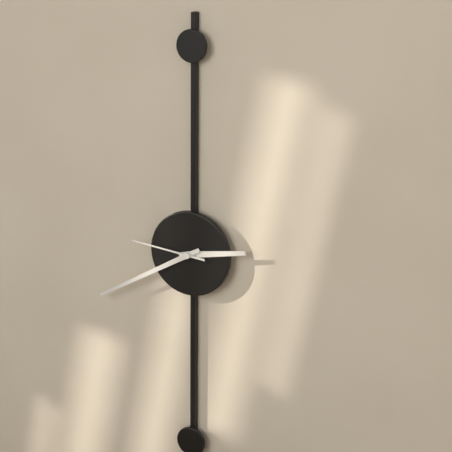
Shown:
2 h 40 min 46 s
